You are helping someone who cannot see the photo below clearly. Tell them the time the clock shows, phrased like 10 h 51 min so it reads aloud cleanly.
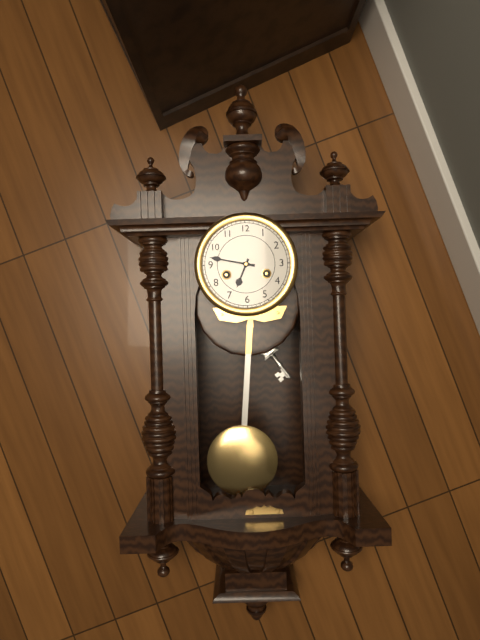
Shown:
6 h 47 min
